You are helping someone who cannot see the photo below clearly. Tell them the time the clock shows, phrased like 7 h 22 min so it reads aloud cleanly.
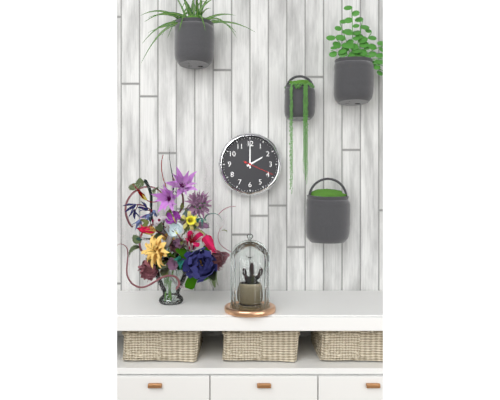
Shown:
2 h 00 min
